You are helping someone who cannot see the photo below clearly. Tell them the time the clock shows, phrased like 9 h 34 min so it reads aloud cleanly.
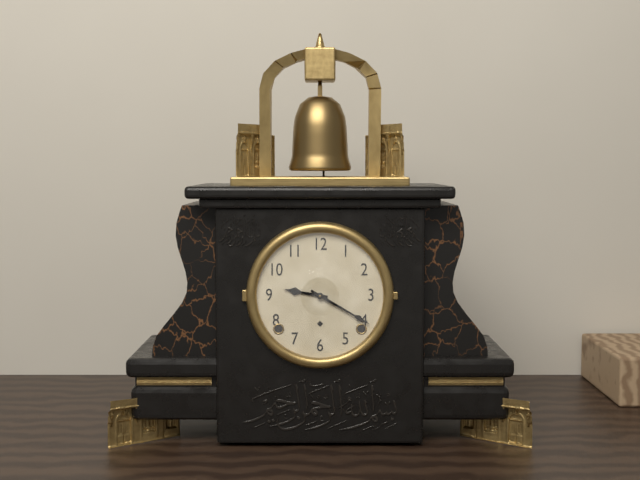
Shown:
9 h 20 min
